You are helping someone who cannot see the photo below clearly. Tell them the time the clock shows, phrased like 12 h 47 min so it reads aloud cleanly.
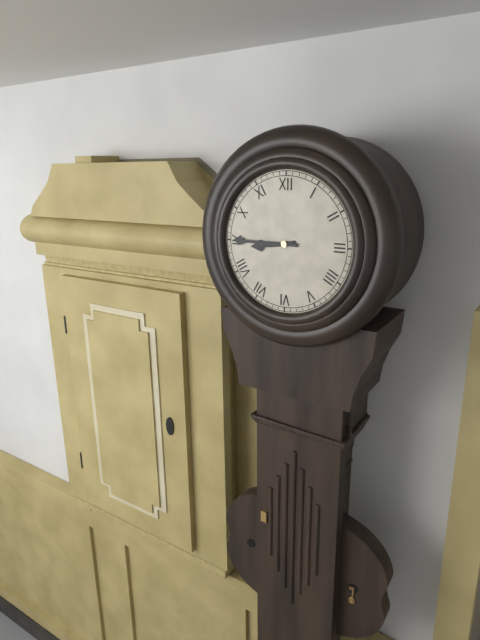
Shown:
8 h 45 min
